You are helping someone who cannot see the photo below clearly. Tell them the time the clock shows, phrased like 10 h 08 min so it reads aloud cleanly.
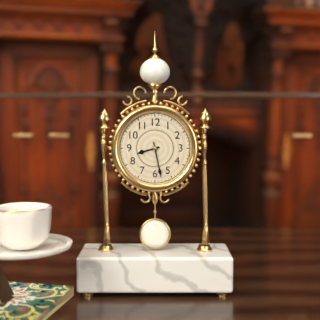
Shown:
8 h 28 min
